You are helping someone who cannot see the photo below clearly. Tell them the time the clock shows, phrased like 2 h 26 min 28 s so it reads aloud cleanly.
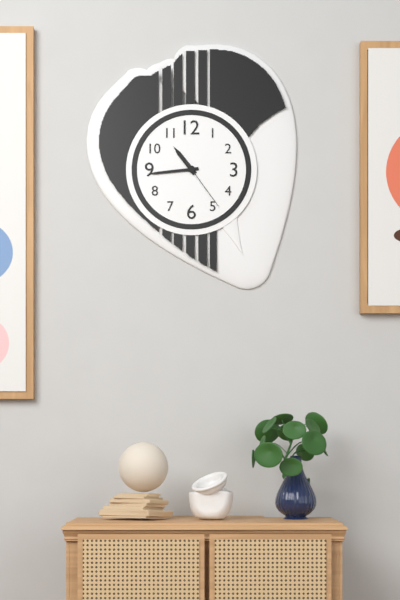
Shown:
10 h 44 min 24 s
